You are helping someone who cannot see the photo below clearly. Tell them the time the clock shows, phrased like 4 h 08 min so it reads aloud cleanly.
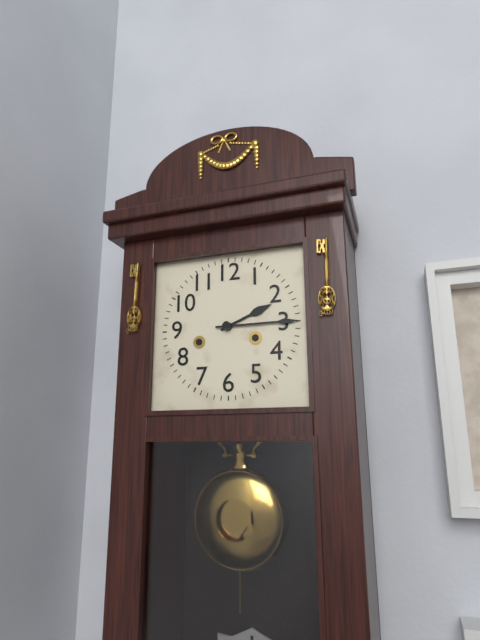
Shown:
2 h 15 min
